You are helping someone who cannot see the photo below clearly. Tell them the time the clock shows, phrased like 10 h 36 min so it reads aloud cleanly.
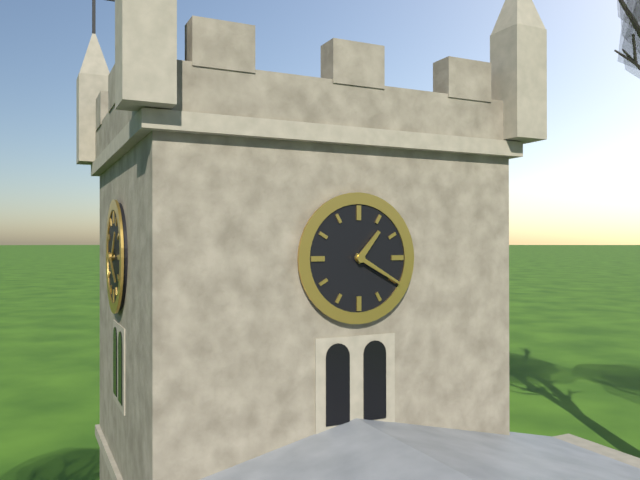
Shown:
1 h 20 min
